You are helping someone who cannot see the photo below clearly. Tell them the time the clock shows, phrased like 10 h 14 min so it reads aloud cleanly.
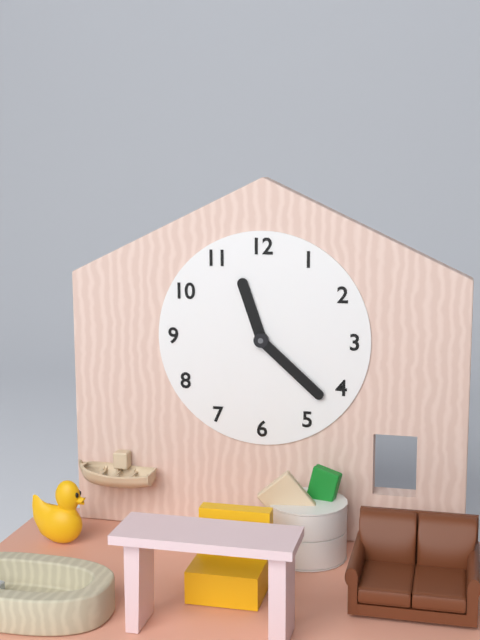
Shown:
11 h 22 min
